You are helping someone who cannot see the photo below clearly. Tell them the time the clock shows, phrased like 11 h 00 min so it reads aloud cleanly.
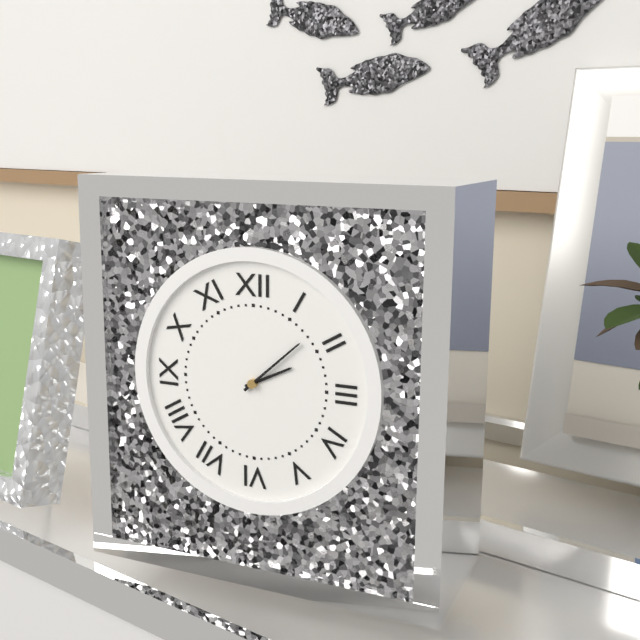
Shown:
2 h 08 min
